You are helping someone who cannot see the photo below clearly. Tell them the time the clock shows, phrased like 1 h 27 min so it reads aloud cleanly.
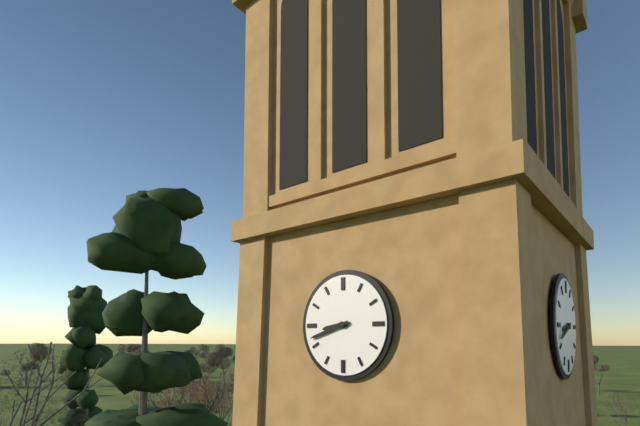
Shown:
8 h 42 min
